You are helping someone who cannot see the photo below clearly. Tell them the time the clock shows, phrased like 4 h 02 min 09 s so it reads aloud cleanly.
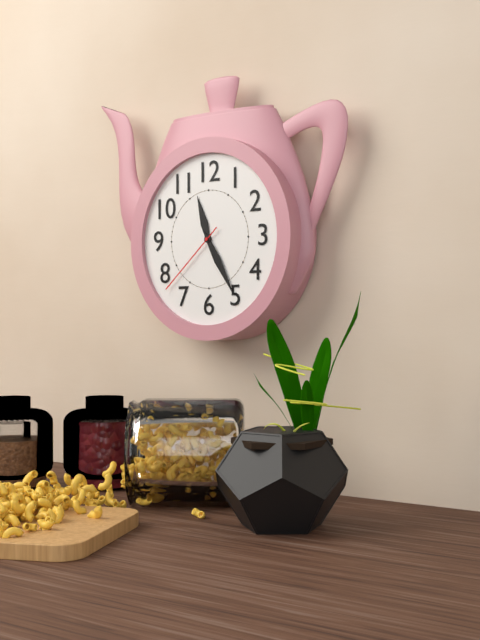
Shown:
11 h 25 min 38 s
